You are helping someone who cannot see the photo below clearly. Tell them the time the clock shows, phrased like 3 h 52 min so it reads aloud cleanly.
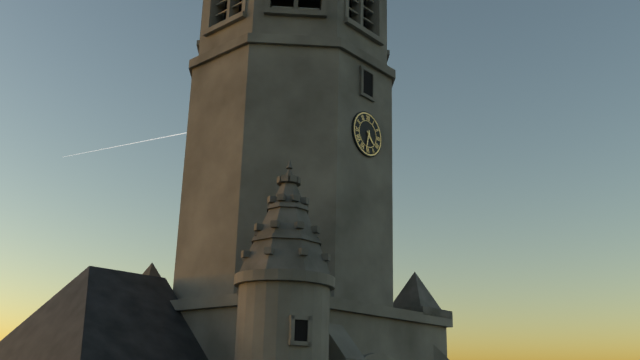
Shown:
4 h 32 min
